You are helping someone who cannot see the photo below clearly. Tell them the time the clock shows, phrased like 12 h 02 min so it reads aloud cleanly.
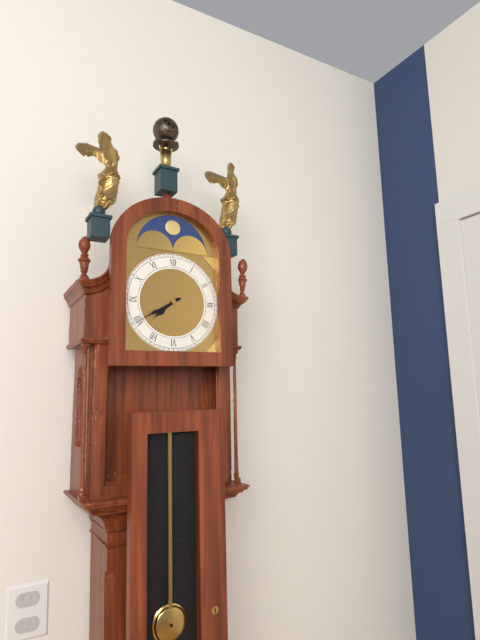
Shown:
7 h 40 min
